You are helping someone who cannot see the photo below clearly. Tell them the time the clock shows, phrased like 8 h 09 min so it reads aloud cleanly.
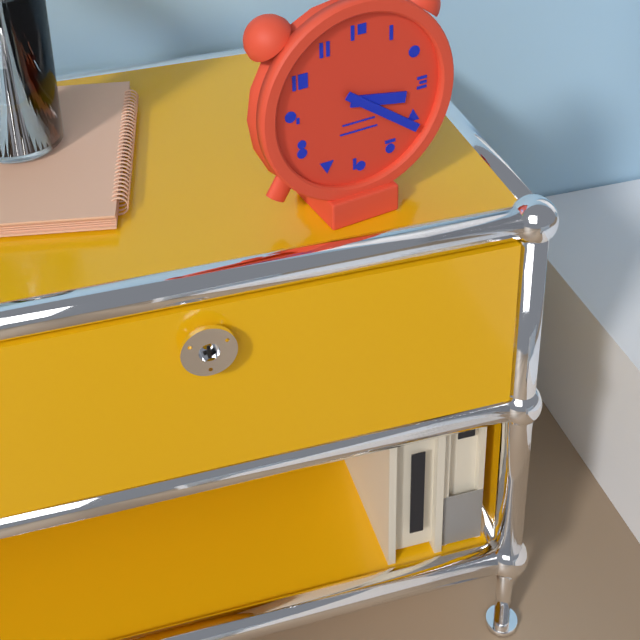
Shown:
3 h 21 min
